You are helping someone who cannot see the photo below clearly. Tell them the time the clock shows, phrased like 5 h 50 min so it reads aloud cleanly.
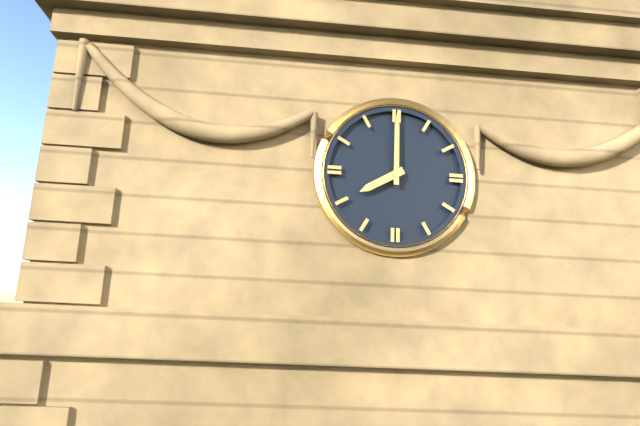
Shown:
8 h 00 min
